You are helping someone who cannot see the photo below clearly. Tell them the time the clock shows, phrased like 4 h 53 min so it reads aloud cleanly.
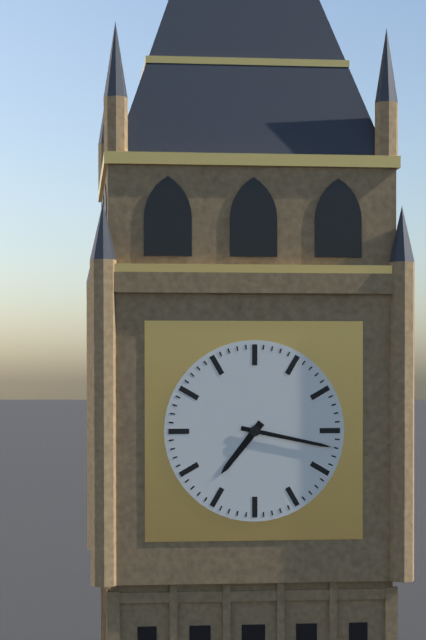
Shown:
7 h 17 min
